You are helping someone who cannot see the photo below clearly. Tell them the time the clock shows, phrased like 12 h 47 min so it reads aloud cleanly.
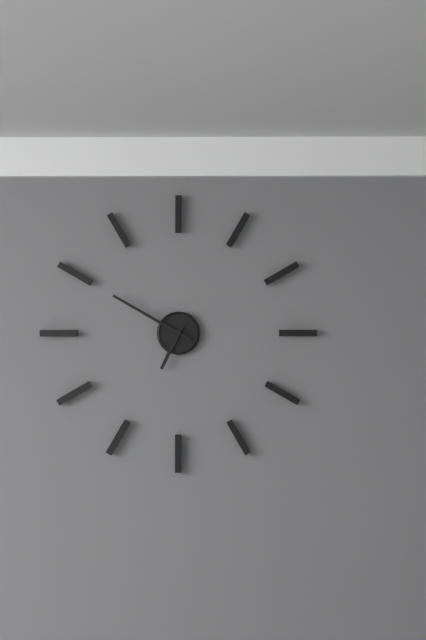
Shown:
6 h 50 min
